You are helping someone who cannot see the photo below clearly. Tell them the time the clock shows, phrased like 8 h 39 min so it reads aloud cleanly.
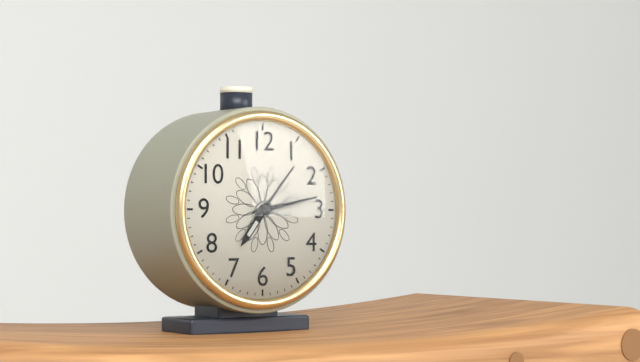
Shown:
7 h 13 min
